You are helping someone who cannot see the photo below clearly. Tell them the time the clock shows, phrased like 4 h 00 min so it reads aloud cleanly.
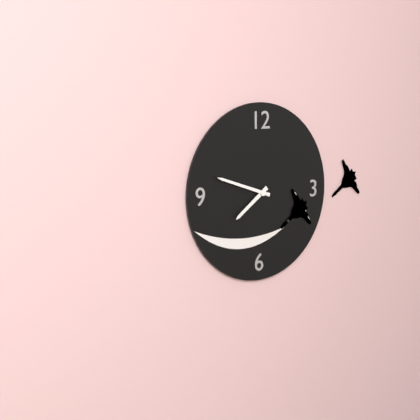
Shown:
7 h 48 min
